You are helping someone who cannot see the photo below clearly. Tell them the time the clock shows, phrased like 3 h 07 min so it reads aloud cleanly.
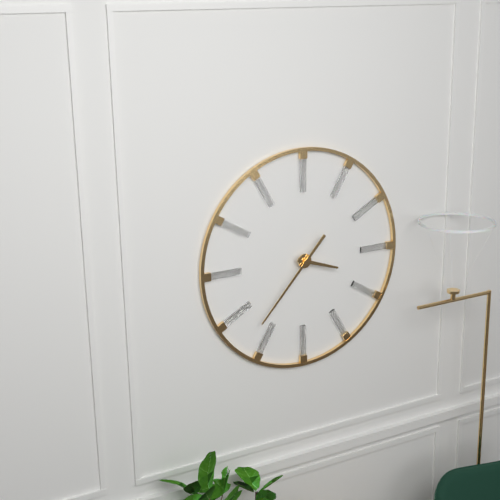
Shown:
3 h 37 min
